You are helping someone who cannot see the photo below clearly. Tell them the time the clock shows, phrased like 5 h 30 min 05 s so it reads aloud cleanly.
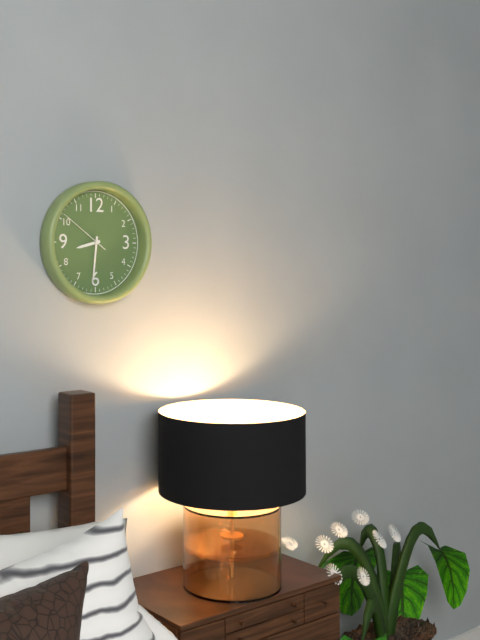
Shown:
8 h 31 min 51 s
